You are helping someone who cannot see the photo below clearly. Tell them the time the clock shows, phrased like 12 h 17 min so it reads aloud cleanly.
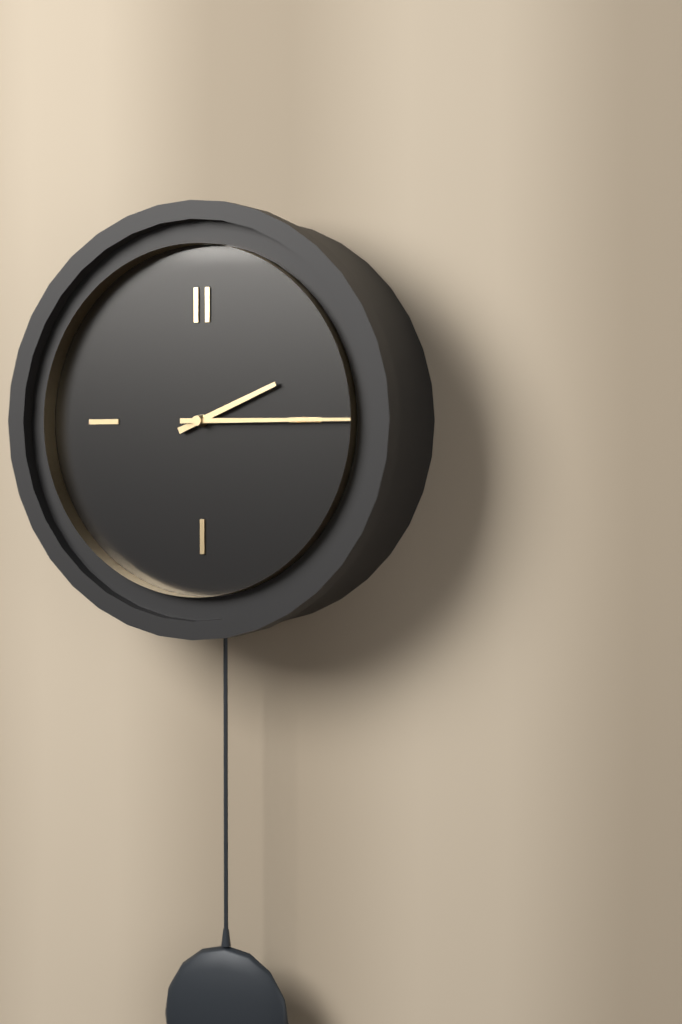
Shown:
2 h 15 min
